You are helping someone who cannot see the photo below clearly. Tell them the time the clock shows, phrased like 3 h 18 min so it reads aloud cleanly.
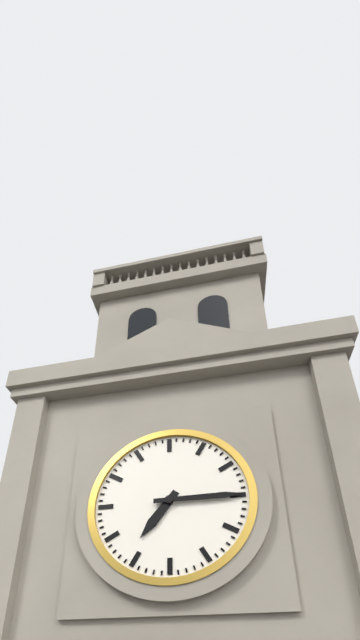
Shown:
7 h 15 min
